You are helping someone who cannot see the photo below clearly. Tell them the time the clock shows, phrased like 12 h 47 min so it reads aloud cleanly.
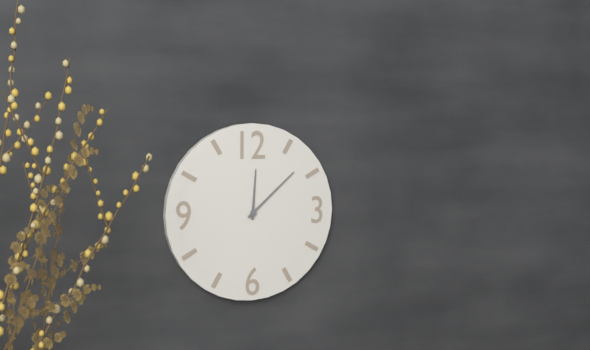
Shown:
12 h 08 min
